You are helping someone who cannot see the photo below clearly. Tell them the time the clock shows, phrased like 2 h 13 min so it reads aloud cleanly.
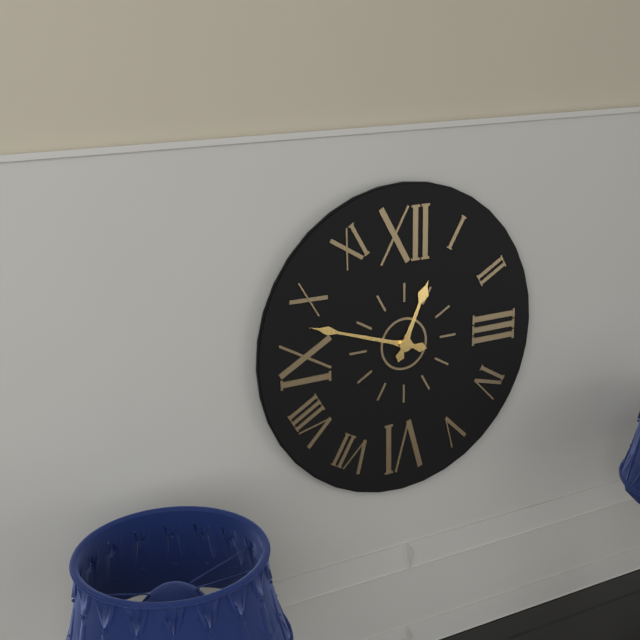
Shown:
12 h 48 min
